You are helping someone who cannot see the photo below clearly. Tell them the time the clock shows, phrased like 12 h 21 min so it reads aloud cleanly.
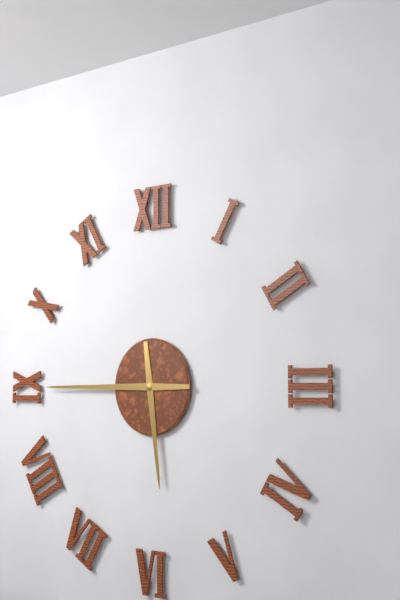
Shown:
5 h 45 min
